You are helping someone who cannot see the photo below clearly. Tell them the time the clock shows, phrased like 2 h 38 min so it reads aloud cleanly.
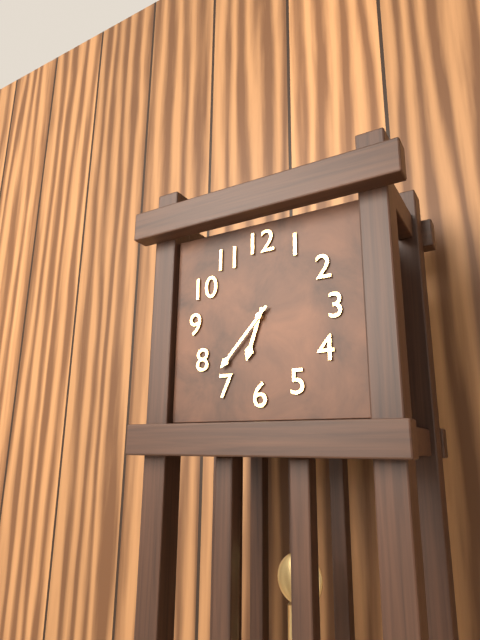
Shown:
6 h 37 min
